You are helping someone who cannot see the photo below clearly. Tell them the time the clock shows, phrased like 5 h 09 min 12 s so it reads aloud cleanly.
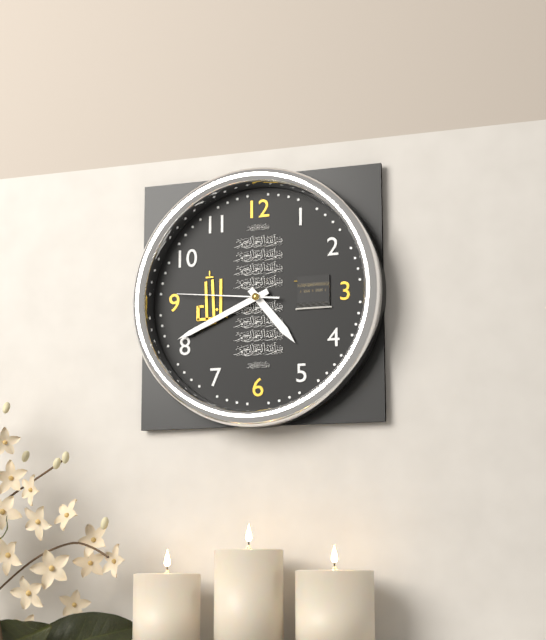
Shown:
4 h 41 min 46 s
